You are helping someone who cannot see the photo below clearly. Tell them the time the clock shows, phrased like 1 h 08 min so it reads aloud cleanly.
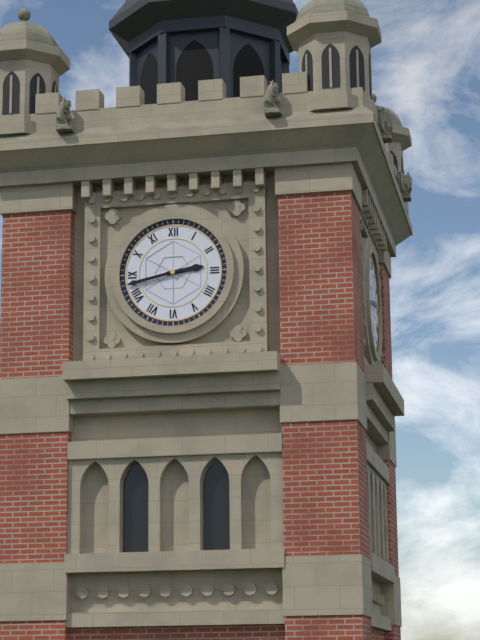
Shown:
2 h 43 min
